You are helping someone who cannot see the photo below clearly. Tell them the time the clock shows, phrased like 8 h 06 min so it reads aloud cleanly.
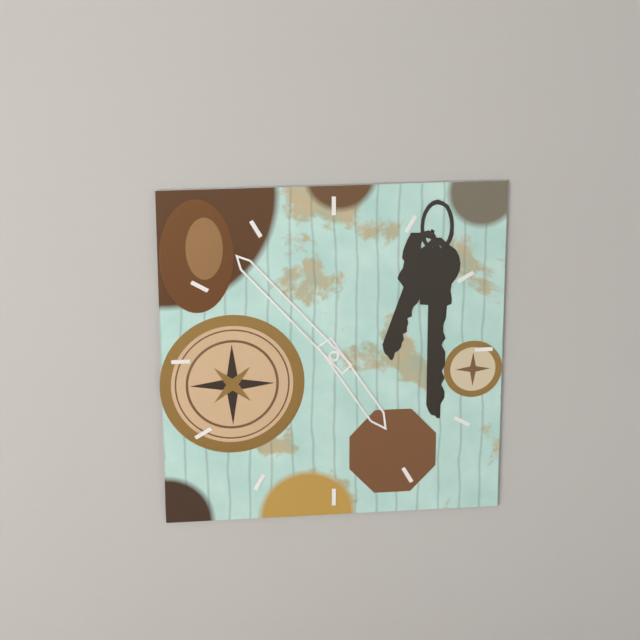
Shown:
4 h 53 min
